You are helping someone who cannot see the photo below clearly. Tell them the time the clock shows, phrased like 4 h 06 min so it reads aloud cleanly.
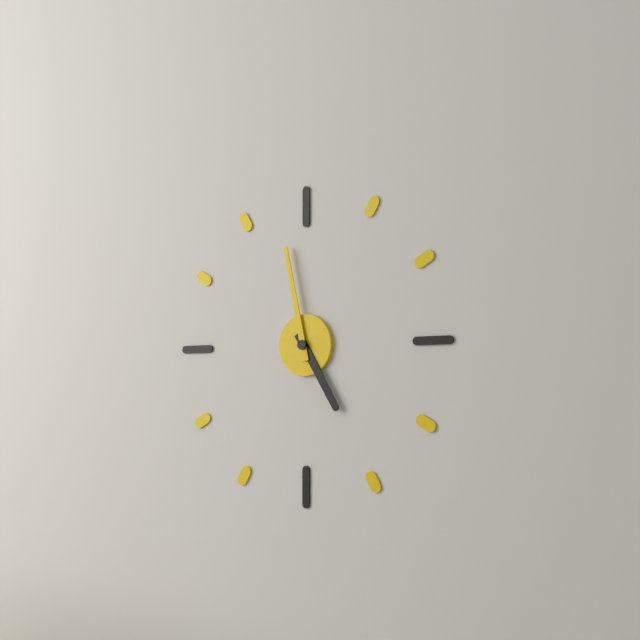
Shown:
4 h 58 min
